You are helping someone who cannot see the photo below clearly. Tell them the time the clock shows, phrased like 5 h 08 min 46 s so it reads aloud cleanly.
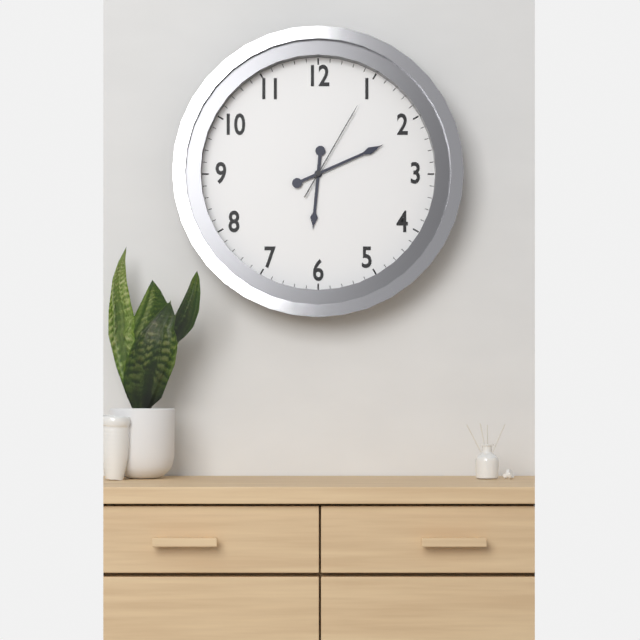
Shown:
6 h 11 min 05 s
